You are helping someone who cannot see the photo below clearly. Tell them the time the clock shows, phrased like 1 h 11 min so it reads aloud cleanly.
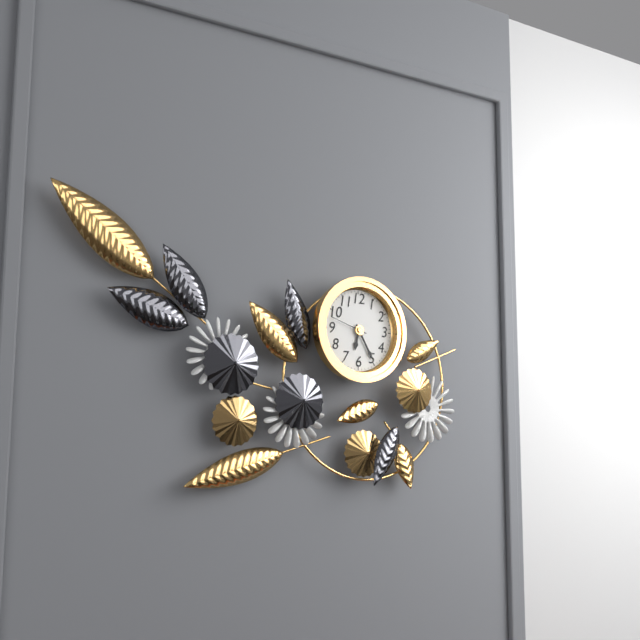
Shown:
6 h 25 min
